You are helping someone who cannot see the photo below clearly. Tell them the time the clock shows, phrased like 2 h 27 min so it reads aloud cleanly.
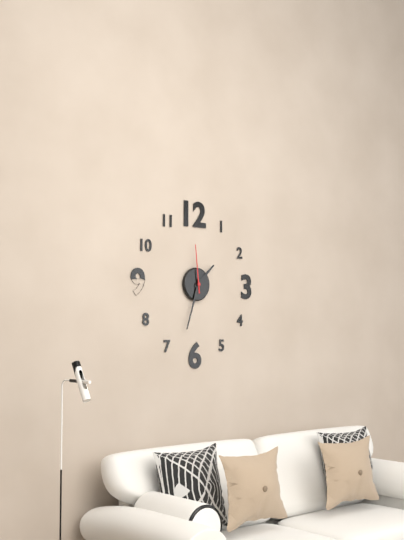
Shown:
1 h 33 min
